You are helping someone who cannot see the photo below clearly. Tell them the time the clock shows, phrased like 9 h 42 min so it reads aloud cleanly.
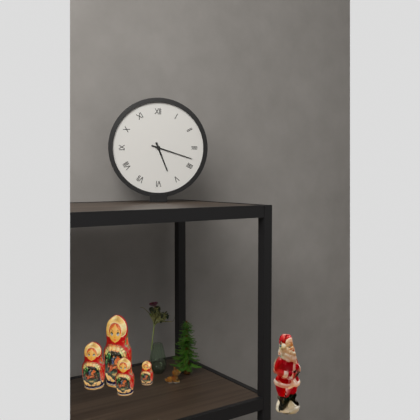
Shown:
5 h 18 min
